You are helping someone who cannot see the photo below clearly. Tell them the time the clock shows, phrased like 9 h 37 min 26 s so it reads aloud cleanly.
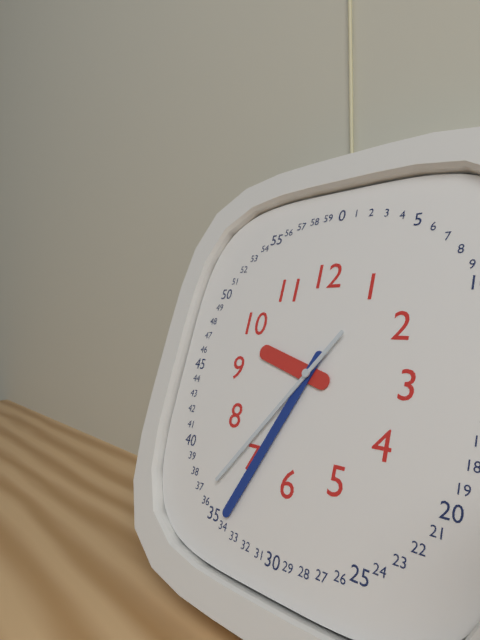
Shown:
9 h 34 min 36 s
